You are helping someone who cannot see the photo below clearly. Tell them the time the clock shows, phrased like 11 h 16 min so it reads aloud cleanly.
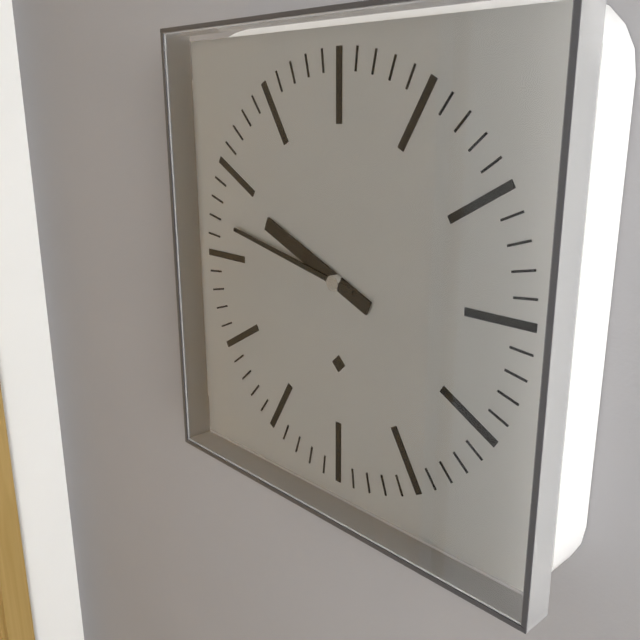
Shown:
9 h 47 min
